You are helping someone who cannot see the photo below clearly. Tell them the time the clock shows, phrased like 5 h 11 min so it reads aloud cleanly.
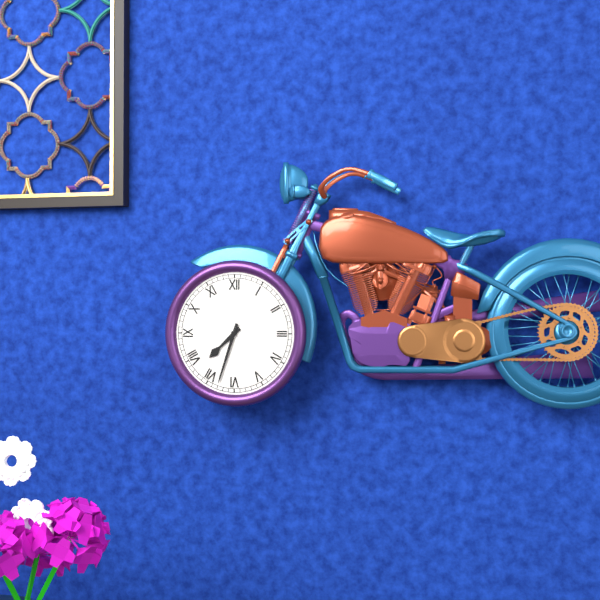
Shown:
7 h 33 min
